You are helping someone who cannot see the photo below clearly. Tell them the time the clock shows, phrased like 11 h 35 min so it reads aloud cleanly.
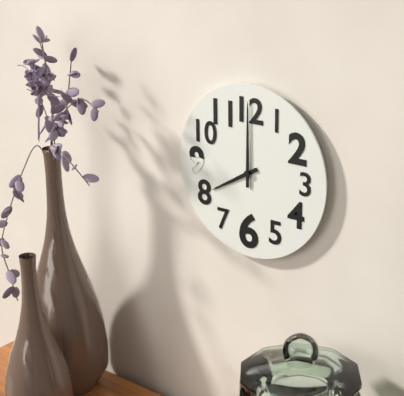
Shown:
8 h 00 min
